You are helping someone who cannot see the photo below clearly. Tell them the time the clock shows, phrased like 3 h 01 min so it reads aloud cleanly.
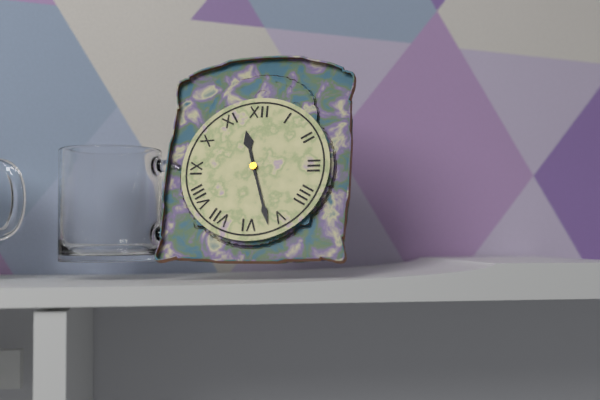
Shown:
11 h 27 min
